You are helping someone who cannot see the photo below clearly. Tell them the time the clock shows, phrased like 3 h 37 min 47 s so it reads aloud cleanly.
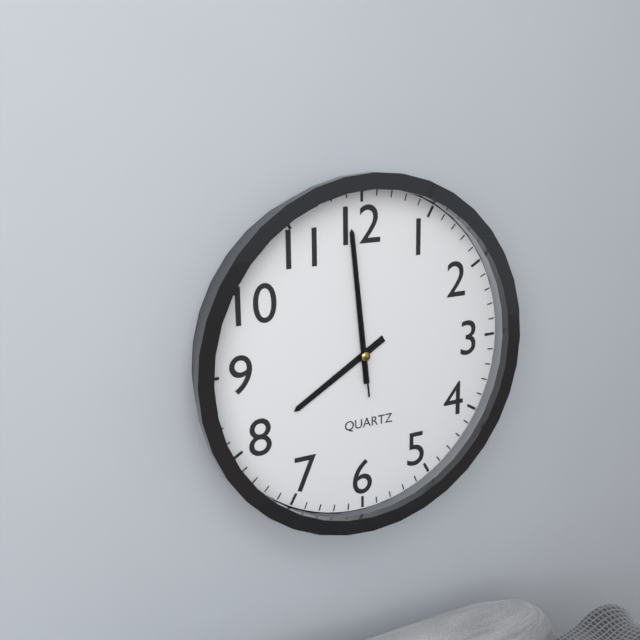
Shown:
7 h 59 min 59 s
